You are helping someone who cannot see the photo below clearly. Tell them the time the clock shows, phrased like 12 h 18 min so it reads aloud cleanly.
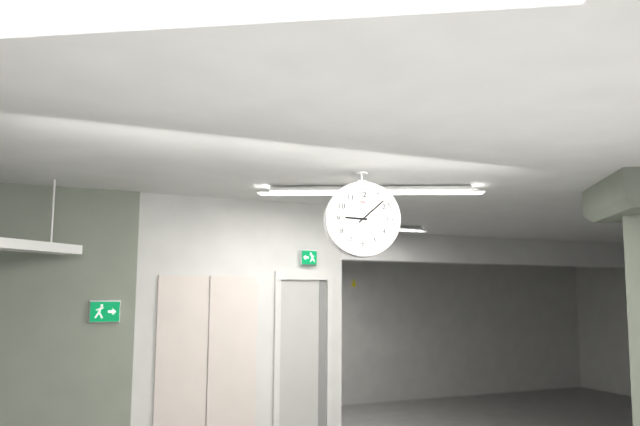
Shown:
9 h 08 min
